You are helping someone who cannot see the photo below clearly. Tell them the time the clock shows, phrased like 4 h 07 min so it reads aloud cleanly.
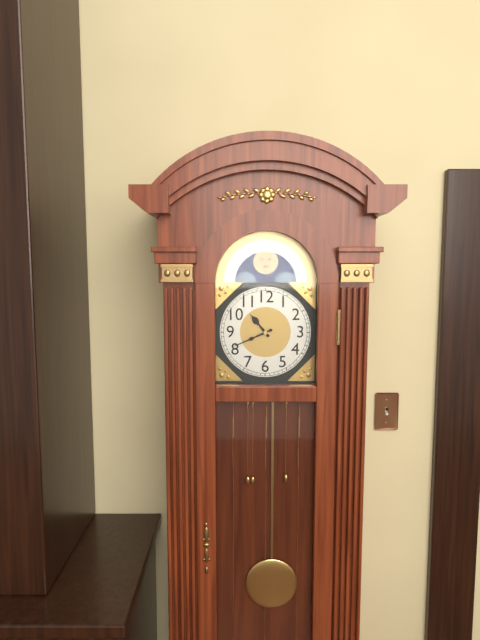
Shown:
10 h 41 min
